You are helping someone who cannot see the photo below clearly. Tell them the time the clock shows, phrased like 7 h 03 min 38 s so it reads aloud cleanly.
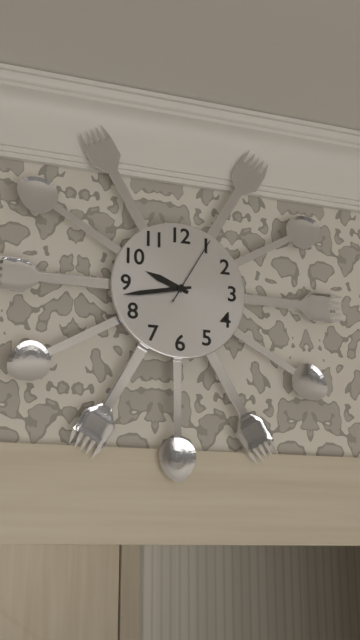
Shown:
9 h 43 min 05 s
